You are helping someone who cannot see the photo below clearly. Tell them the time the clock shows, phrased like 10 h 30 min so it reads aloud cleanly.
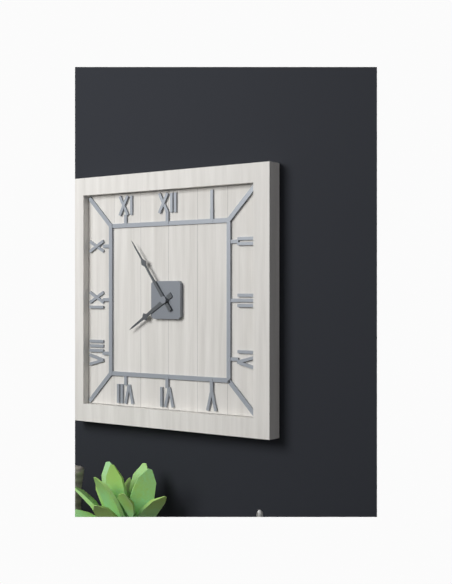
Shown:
7 h 54 min
